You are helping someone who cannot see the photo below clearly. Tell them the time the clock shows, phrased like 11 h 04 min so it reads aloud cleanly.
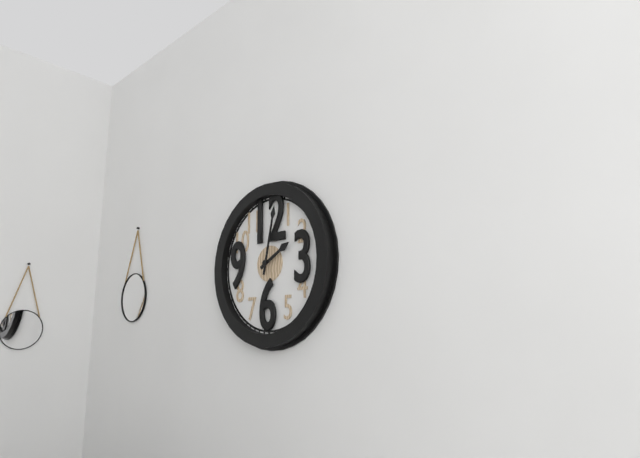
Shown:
2 h 02 min
